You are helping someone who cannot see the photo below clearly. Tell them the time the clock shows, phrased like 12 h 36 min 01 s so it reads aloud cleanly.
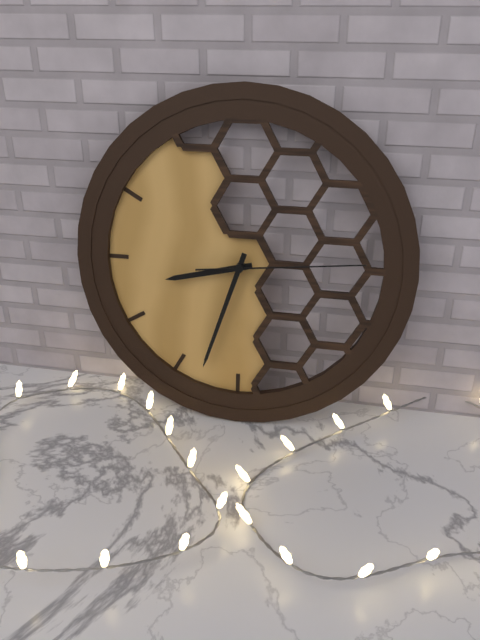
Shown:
8 h 33 min 14 s
